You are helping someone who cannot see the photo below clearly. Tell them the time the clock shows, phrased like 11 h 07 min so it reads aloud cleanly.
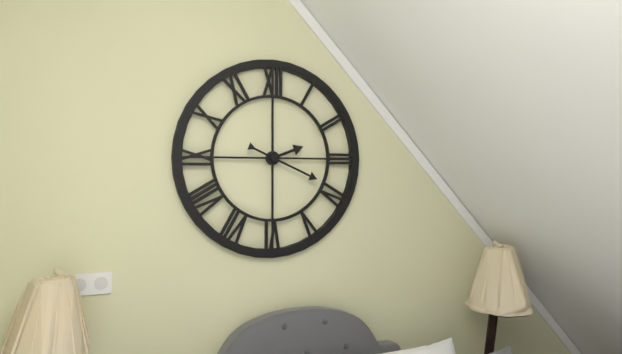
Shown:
2 h 19 min
